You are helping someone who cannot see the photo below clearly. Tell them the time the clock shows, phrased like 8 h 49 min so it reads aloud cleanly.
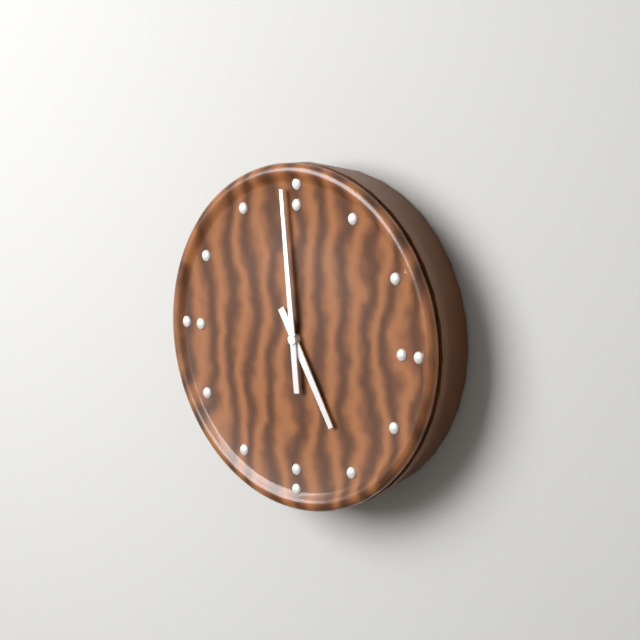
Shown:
4 h 59 min
